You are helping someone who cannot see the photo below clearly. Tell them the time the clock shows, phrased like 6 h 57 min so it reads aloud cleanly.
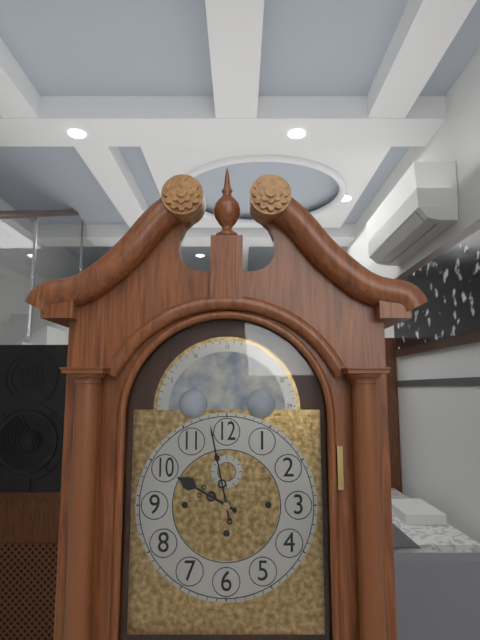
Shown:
9 h 58 min
